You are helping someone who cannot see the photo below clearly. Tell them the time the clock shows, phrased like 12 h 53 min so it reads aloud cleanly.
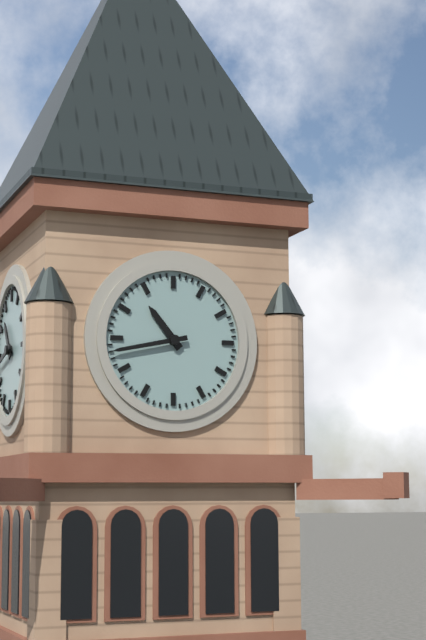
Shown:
10 h 43 min
